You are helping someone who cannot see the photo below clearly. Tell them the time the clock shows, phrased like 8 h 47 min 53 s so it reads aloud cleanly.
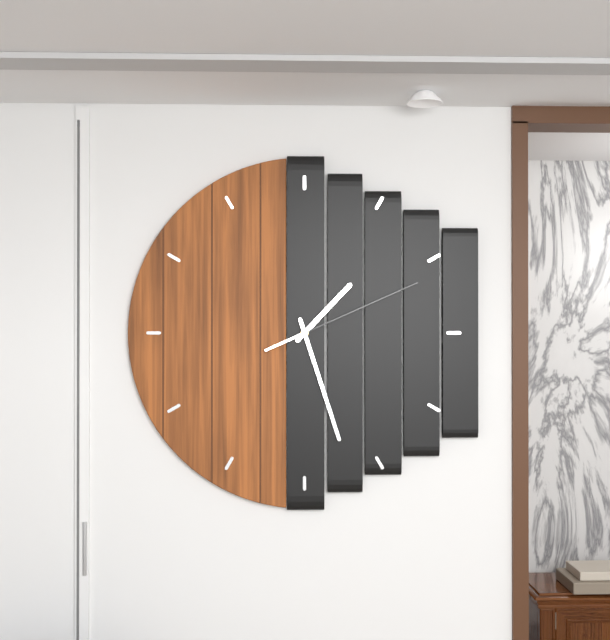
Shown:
1 h 27 min 11 s
